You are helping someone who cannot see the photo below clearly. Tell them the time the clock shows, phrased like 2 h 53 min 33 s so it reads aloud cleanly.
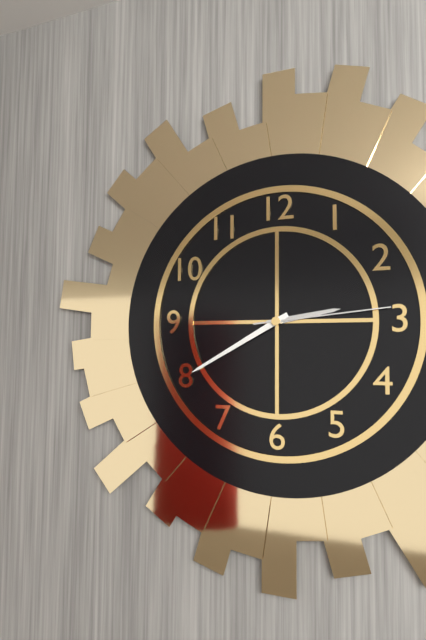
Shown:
2 h 40 min 14 s
